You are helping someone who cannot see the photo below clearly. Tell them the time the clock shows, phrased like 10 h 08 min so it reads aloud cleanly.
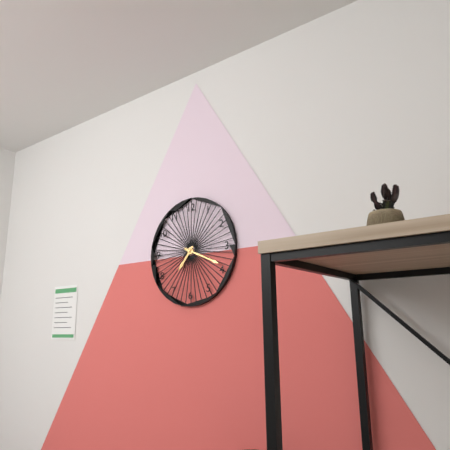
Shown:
7 h 19 min
